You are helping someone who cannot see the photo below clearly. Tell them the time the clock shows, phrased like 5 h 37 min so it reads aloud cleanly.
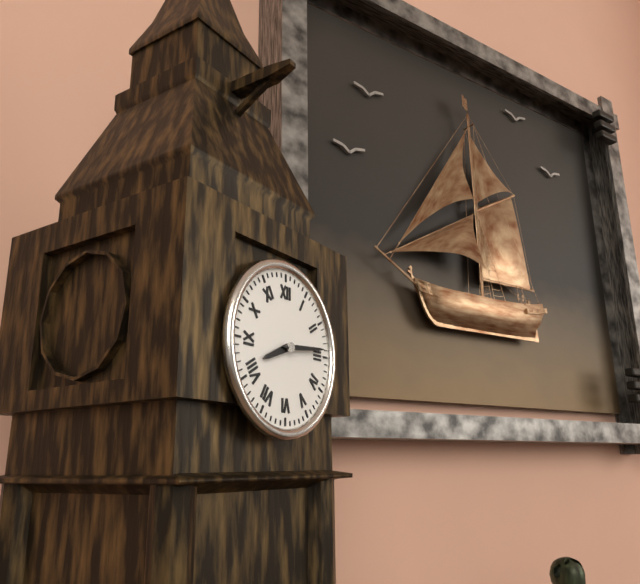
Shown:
8 h 14 min
